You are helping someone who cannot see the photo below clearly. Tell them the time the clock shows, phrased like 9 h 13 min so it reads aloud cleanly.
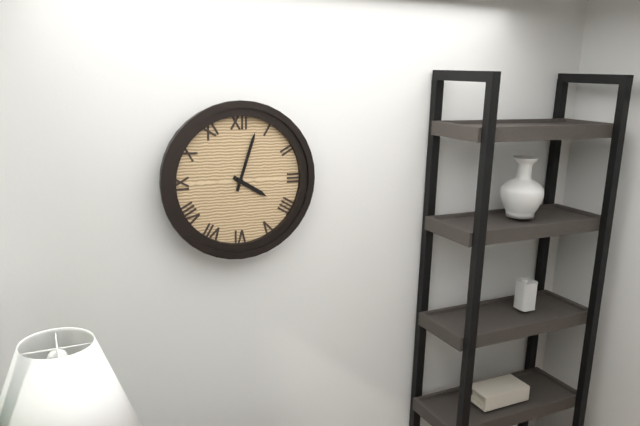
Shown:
4 h 03 min
